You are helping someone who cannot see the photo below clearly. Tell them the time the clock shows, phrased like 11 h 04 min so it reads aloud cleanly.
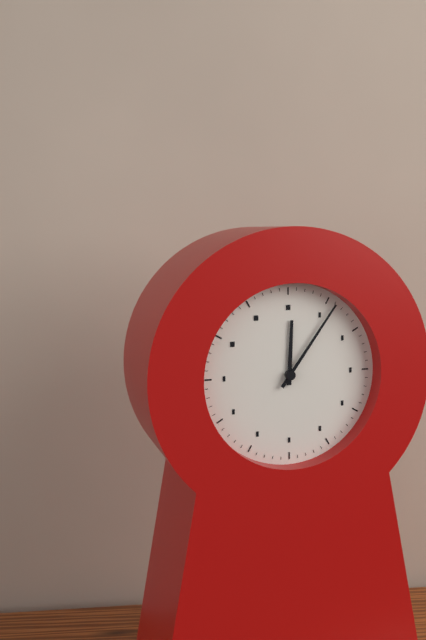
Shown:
12 h 06 min
